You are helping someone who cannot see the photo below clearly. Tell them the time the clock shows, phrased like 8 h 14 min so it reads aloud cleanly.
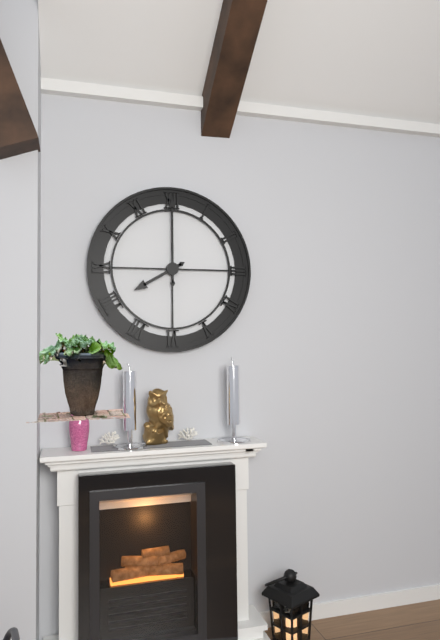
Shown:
8 h 00 min
